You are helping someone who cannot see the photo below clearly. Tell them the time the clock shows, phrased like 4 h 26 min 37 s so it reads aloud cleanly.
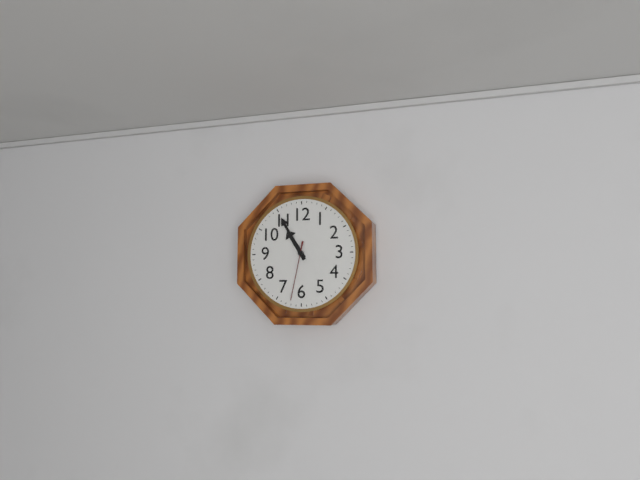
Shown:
10 h 55 min 32 s
